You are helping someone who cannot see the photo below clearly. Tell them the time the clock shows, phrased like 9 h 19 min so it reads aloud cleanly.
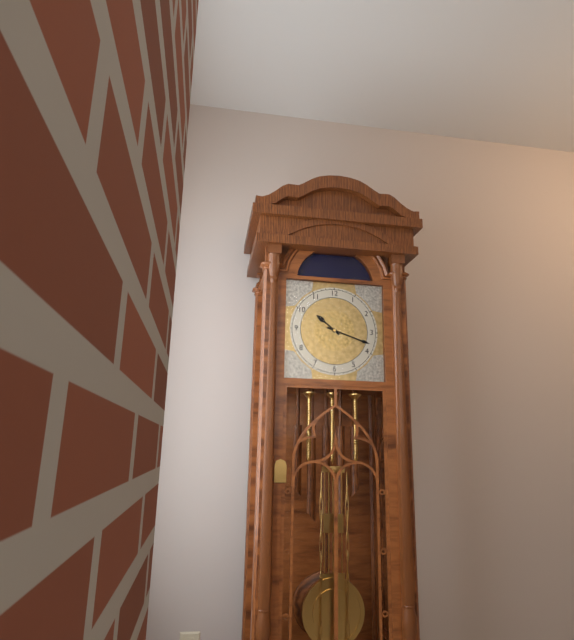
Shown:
10 h 18 min
